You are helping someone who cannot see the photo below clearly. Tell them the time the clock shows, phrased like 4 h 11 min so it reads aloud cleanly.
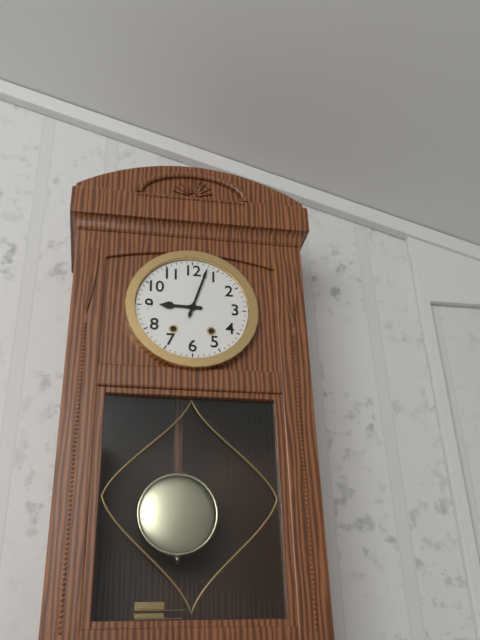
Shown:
9 h 03 min
